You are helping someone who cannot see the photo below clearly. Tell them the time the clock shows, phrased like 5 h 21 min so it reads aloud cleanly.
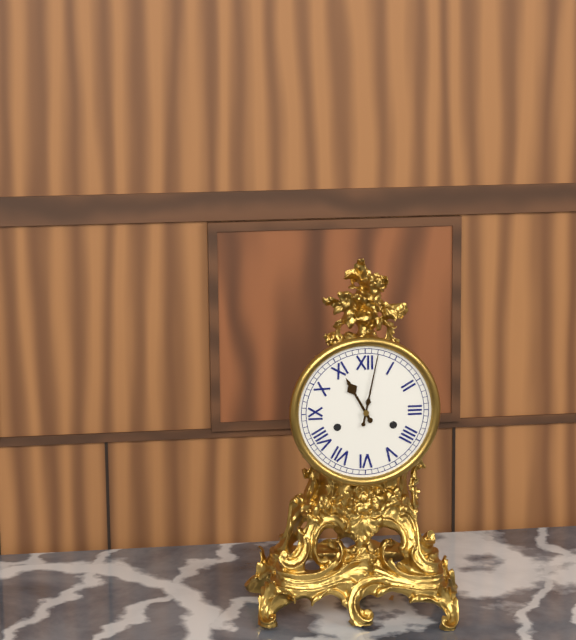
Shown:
11 h 02 min
